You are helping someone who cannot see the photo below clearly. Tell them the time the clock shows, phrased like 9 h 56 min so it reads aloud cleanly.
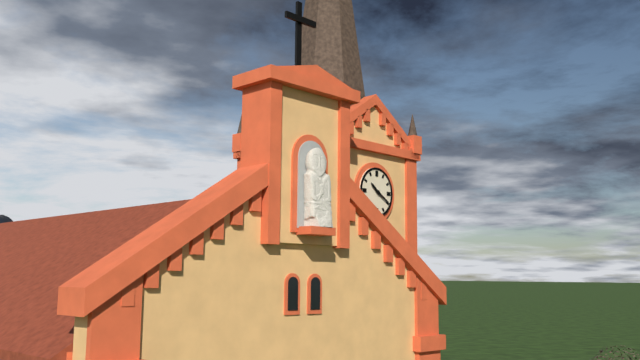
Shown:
10 h 20 min
